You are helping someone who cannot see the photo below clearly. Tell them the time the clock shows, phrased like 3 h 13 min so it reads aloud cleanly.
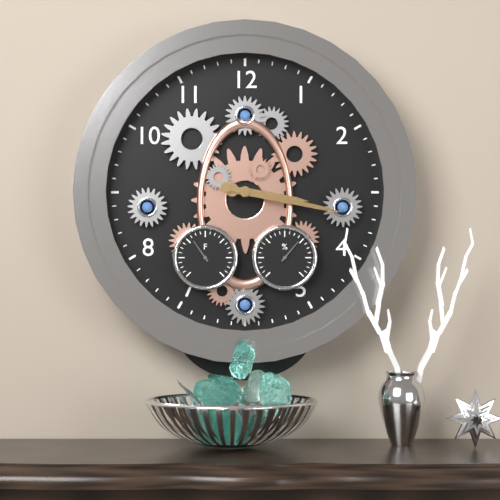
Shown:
3 h 17 min
